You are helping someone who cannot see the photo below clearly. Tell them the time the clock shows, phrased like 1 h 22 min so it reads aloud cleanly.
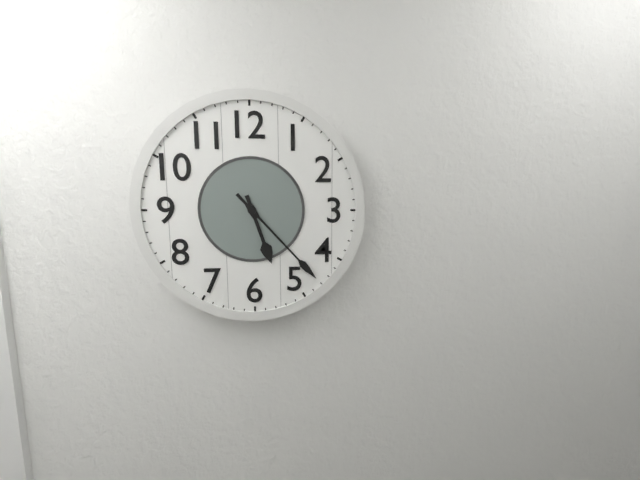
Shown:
5 h 23 min
